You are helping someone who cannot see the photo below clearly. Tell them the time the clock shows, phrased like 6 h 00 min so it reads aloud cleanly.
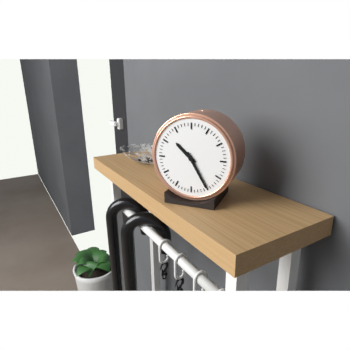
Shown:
10 h 25 min
